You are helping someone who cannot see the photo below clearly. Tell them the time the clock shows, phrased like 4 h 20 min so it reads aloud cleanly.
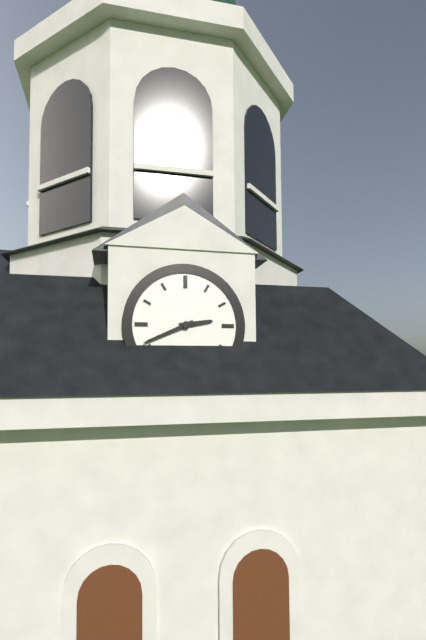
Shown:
2 h 41 min
